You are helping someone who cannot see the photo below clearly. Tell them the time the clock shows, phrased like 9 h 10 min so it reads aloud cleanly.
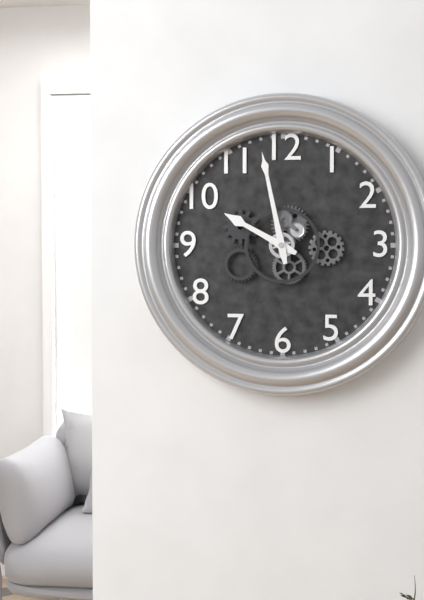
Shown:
9 h 58 min
